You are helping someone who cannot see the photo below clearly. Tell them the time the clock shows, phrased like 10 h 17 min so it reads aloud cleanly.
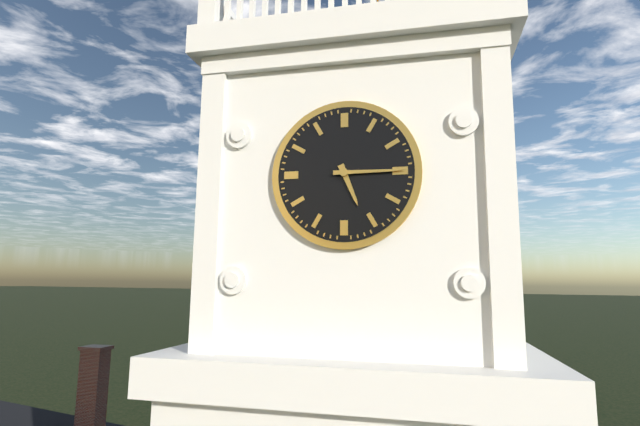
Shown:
5 h 15 min
